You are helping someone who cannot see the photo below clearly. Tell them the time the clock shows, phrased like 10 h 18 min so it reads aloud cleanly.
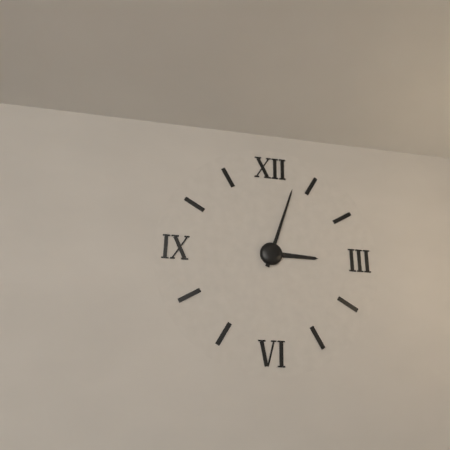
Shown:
3 h 03 min
